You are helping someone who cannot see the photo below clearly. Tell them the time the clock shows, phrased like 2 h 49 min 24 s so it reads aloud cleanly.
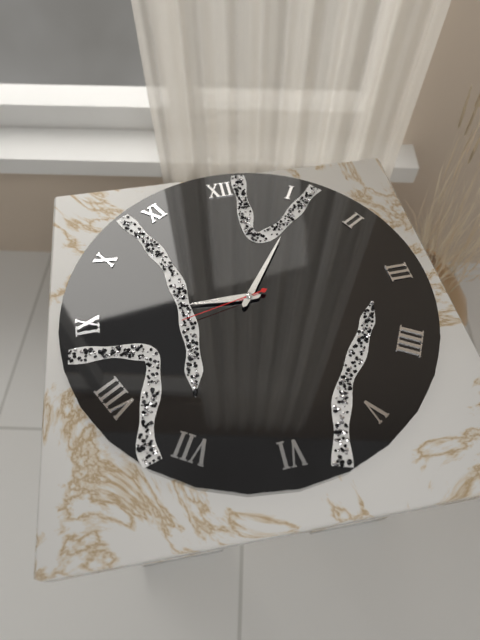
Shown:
9 h 06 min 43 s
